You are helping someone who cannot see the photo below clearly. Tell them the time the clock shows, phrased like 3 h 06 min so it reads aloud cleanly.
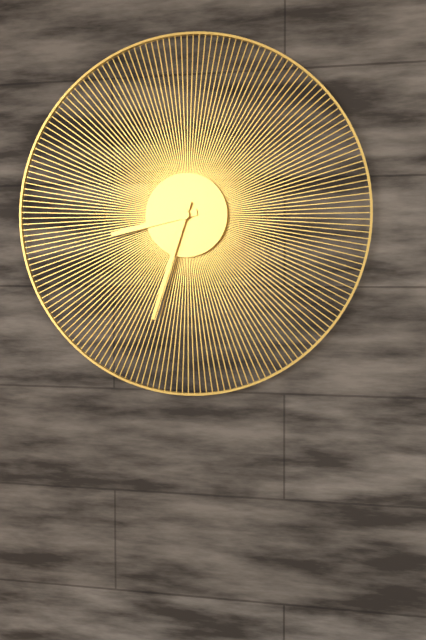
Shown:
8 h 33 min
